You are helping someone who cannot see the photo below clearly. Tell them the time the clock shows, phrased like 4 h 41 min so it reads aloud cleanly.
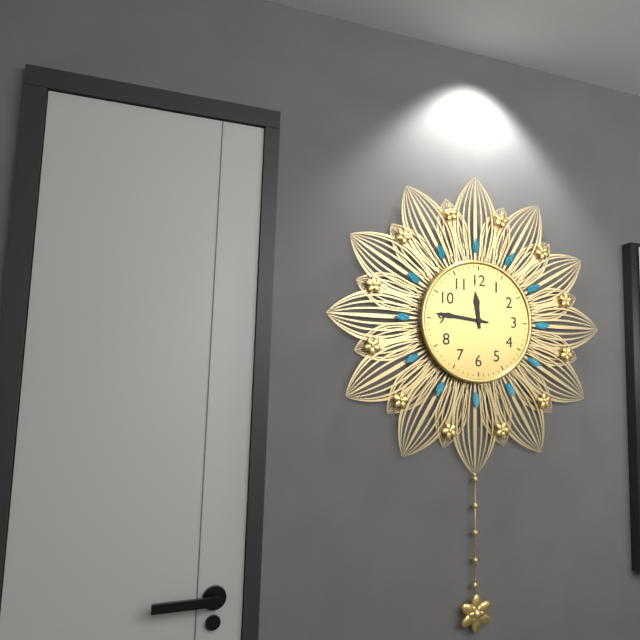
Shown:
11 h 46 min
